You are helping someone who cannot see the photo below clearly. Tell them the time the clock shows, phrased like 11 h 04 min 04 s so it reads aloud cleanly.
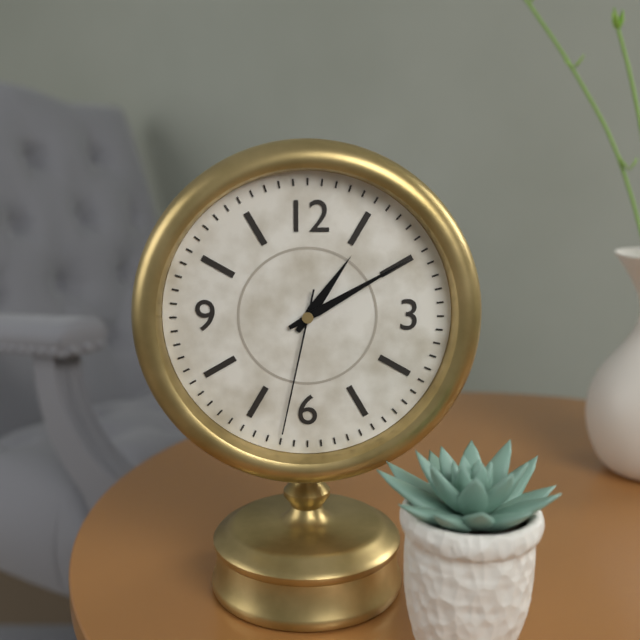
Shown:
1 h 10 min 32 s
